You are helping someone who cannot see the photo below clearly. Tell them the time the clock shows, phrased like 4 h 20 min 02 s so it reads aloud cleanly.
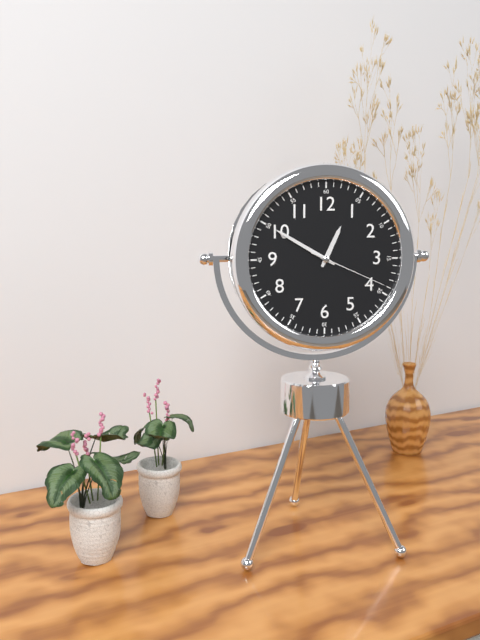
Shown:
12 h 50 min 19 s
